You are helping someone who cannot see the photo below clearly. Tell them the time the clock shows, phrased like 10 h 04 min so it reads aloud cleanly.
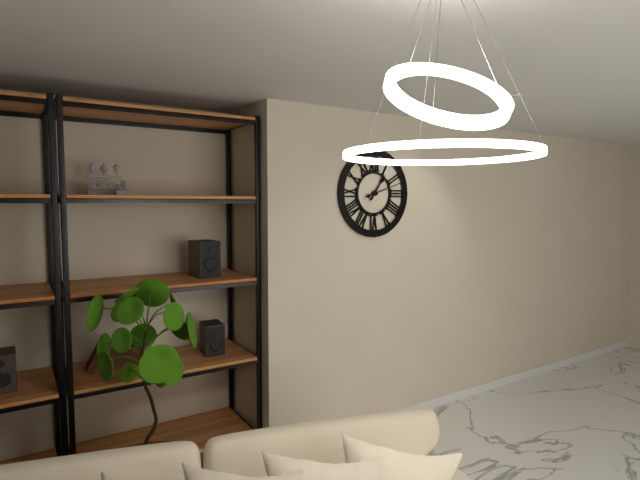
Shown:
1 h 12 min
